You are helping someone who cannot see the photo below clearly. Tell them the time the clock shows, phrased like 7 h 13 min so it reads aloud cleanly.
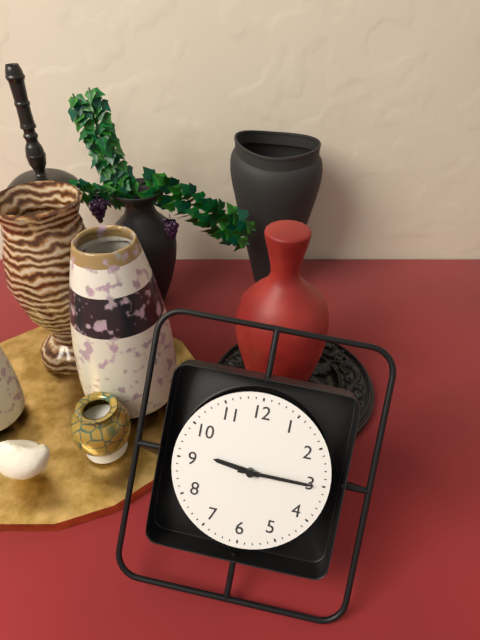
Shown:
9 h 15 min
